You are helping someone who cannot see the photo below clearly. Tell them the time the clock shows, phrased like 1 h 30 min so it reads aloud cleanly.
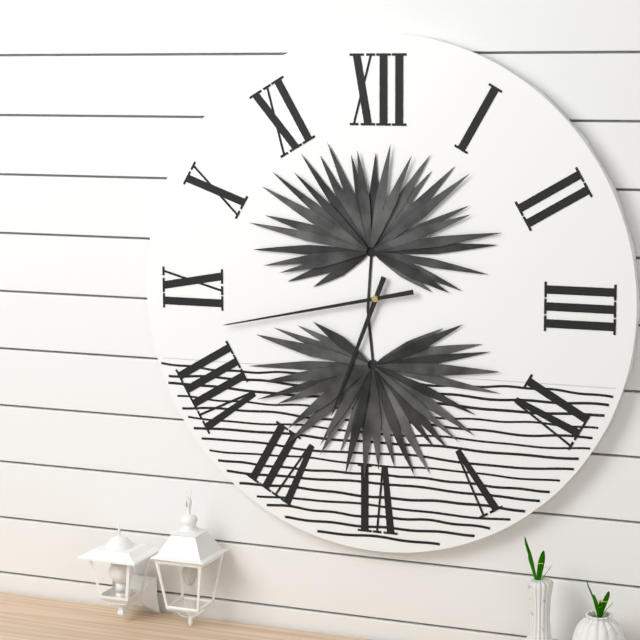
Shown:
6 h 43 min
